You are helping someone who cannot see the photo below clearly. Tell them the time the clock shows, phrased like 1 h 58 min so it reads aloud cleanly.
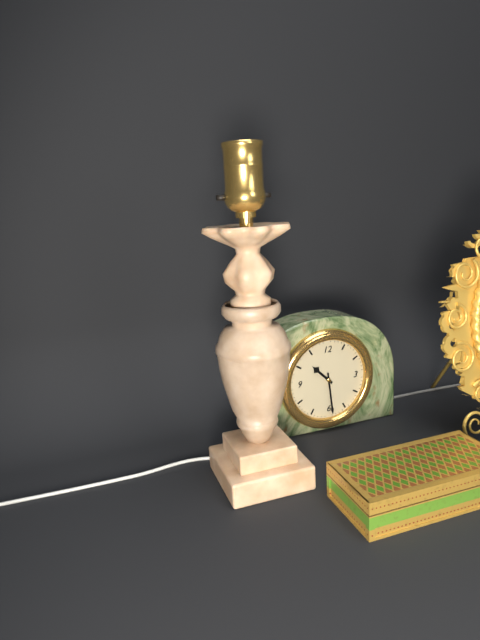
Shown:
10 h 29 min
